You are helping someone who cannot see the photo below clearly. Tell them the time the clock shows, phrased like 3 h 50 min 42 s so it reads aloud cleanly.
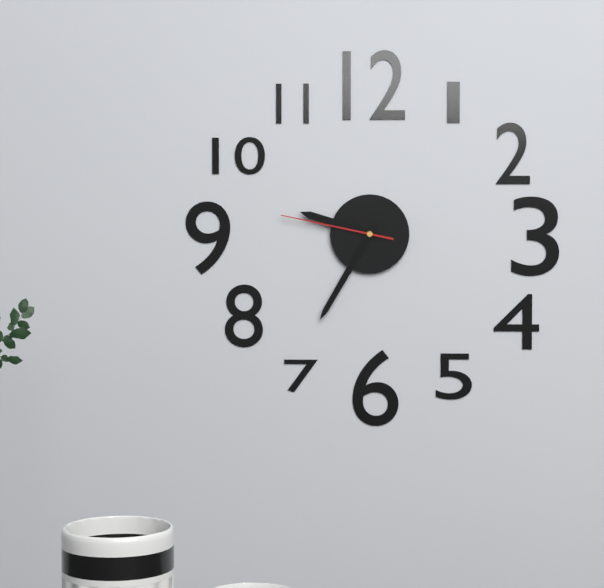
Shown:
9 h 35 min 47 s
